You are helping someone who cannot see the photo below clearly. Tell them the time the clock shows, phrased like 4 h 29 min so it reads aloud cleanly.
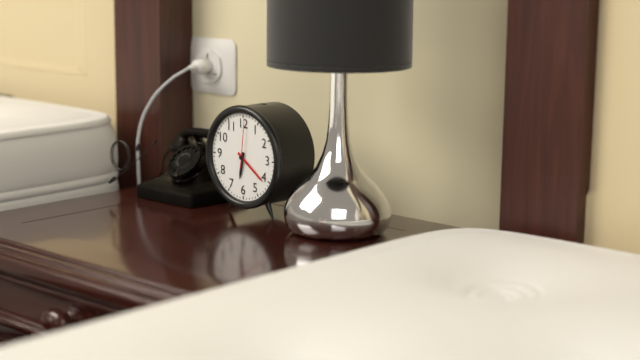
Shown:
6 h 21 min
